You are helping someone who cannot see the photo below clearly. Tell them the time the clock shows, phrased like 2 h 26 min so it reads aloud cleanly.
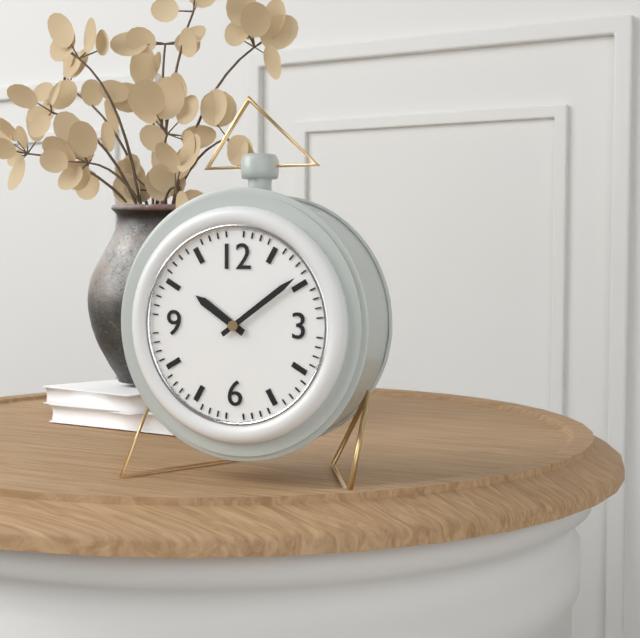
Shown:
10 h 09 min
